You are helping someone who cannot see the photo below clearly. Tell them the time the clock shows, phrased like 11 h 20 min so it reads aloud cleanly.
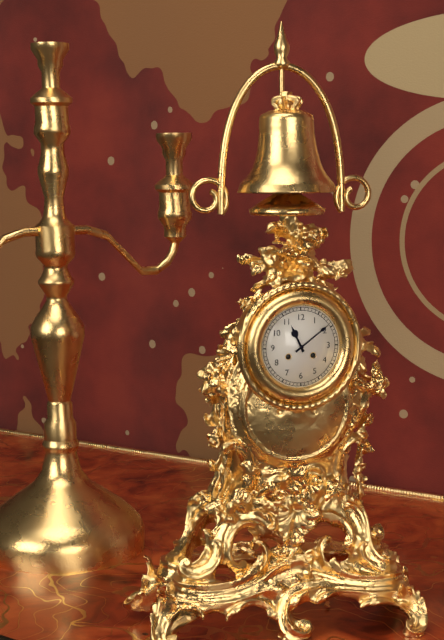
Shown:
11 h 09 min
